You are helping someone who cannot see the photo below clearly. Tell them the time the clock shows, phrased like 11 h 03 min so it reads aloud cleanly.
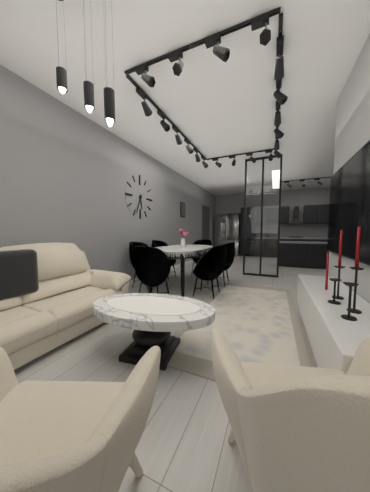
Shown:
5 h 34 min
